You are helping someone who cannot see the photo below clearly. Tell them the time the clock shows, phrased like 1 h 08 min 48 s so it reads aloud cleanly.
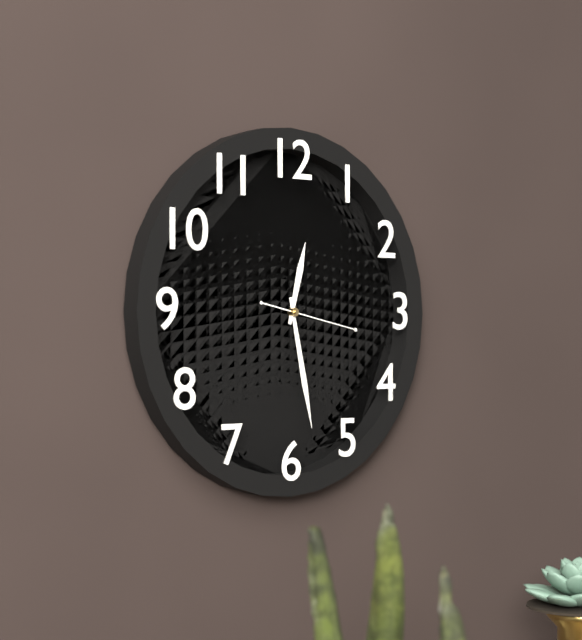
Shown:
12 h 28 min 17 s
